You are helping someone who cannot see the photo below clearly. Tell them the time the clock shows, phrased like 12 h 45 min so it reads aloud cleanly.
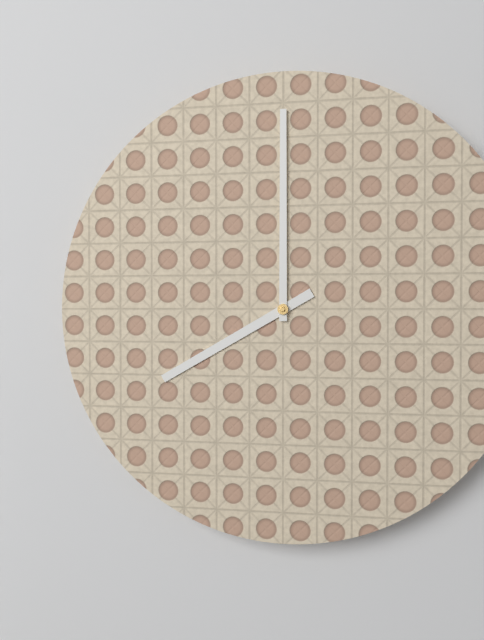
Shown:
8 h 00 min
